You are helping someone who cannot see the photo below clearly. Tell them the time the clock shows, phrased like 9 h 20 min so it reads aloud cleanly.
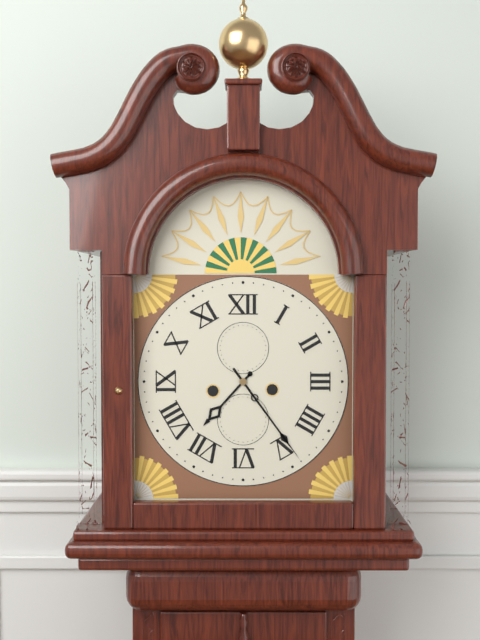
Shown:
7 h 24 min
